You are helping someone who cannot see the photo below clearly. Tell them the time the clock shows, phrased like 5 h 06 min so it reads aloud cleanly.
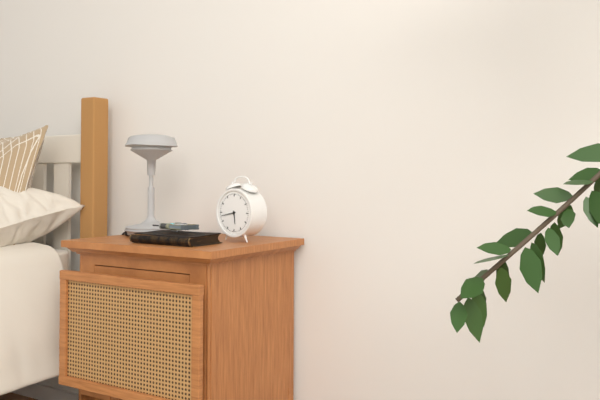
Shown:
5 h 43 min
